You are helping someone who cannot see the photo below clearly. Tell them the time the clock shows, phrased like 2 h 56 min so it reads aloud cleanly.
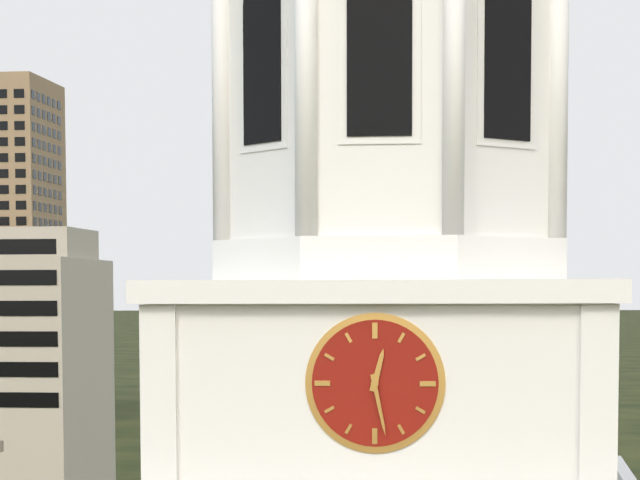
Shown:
12 h 28 min
